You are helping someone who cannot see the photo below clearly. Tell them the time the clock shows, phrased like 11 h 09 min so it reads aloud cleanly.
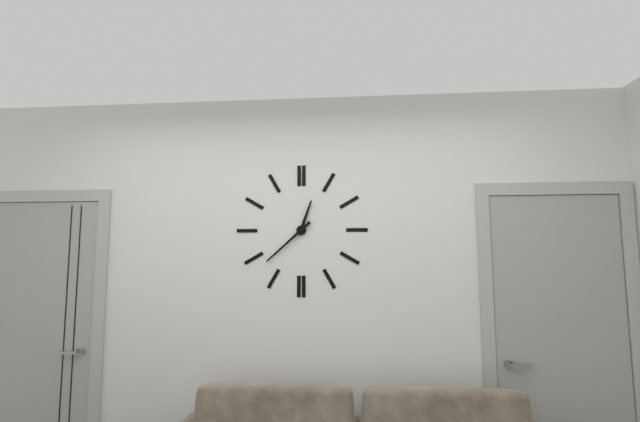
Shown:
12 h 38 min
